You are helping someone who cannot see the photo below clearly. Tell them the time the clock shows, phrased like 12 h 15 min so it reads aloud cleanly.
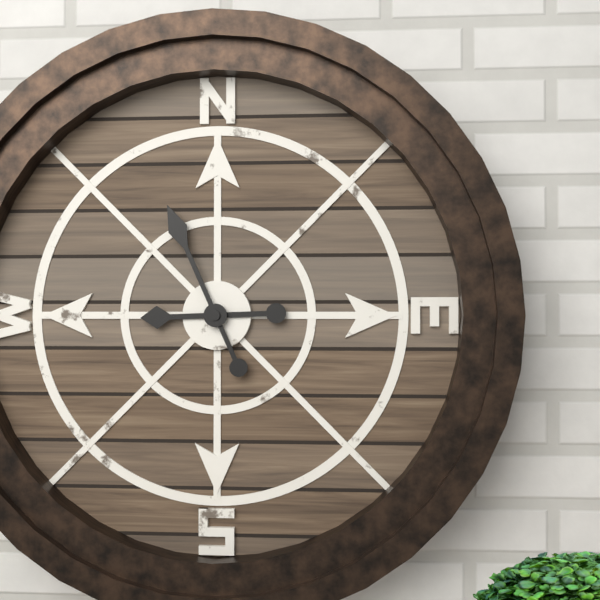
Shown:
8 h 56 min
